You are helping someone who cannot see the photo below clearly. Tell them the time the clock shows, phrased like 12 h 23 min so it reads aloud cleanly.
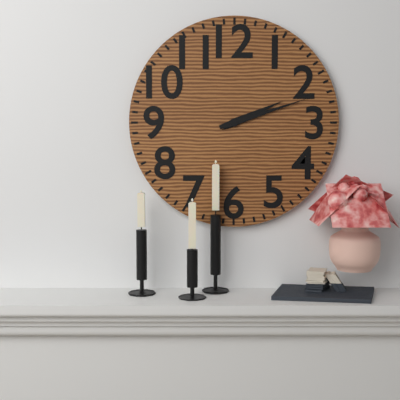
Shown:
2 h 12 min
